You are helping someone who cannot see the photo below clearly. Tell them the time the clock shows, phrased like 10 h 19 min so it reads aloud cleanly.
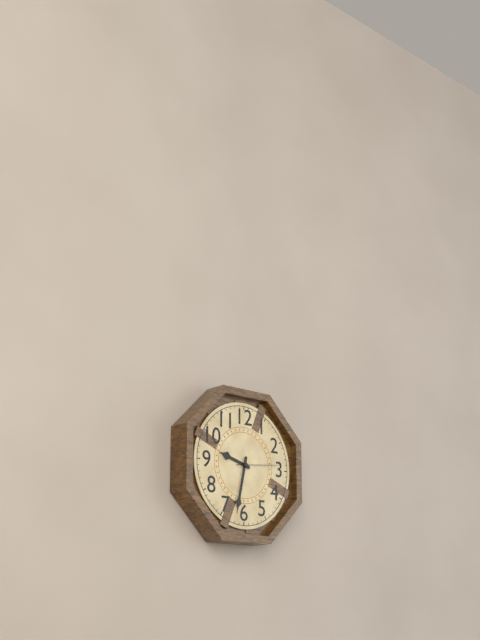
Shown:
9 h 32 min
